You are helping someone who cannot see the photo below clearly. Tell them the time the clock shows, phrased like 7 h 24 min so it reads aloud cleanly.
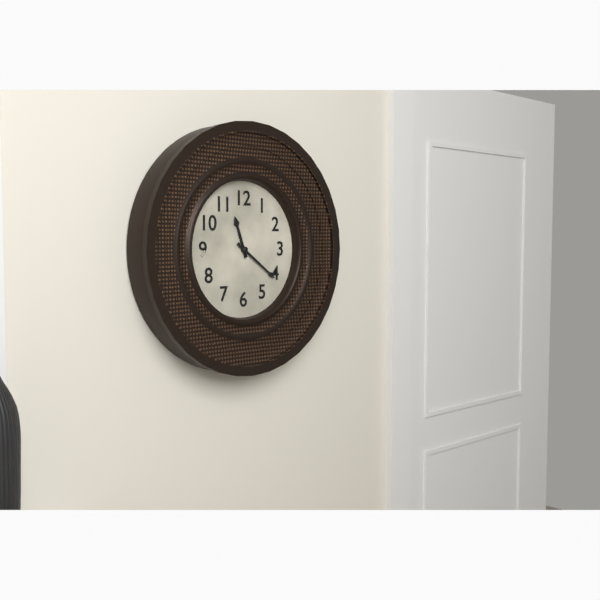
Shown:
11 h 21 min
